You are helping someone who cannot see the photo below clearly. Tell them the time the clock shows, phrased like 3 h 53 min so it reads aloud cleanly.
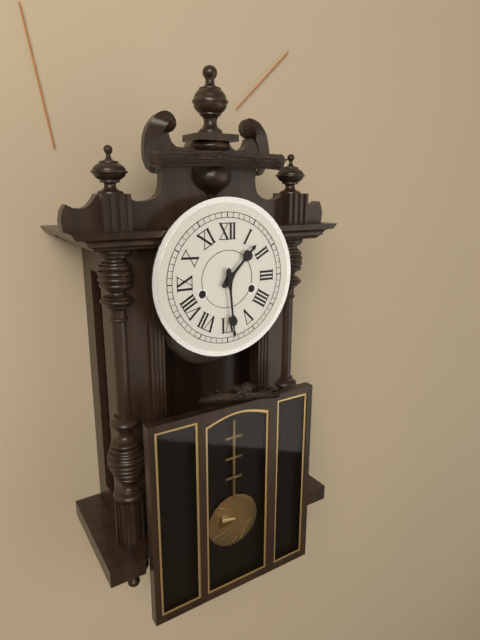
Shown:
1 h 29 min
